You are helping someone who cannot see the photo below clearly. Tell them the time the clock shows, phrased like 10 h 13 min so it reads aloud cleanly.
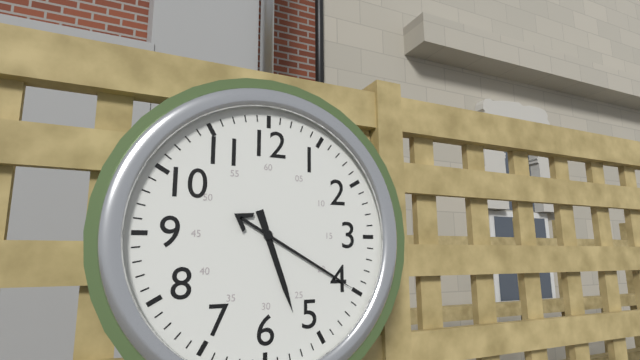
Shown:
5 h 20 min
